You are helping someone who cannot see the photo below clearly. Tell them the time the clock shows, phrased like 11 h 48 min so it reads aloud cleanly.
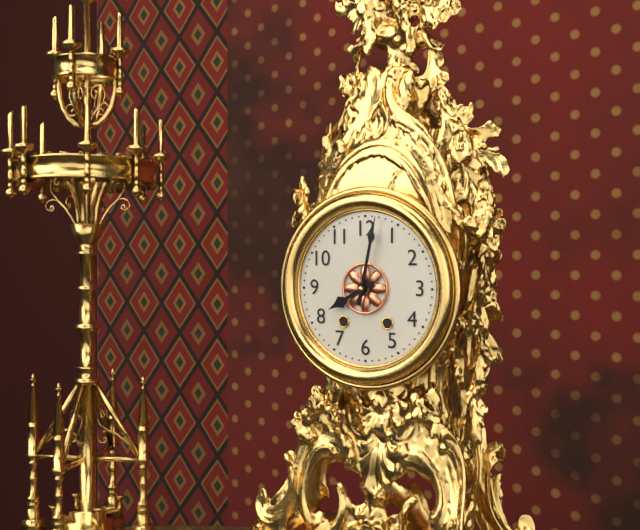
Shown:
8 h 02 min
